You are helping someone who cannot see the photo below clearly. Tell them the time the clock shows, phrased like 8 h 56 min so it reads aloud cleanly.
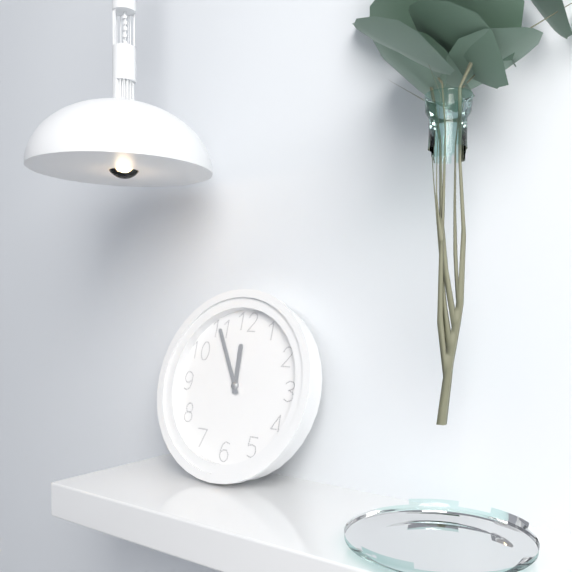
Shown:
11 h 55 min
